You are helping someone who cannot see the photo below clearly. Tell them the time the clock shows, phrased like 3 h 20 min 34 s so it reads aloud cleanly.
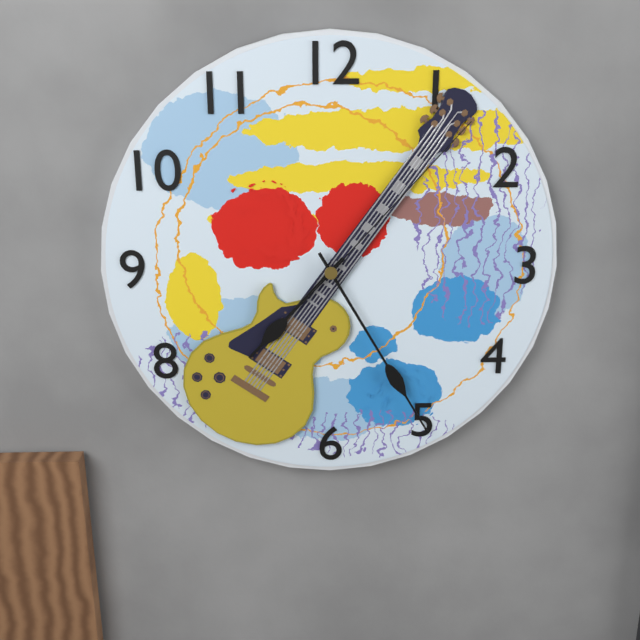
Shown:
7 h 25 min 07 s
